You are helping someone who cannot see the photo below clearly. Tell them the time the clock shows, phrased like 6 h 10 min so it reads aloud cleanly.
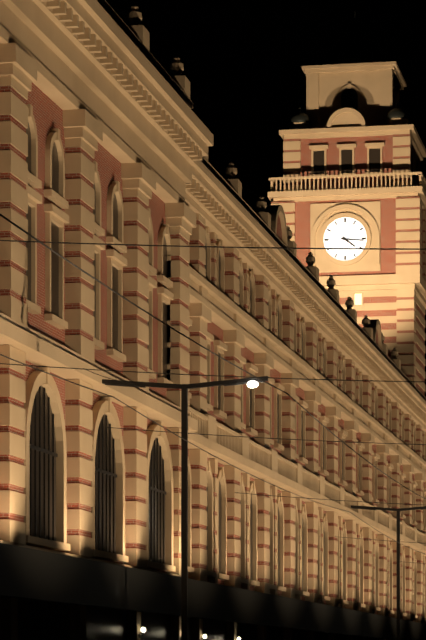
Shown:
4 h 16 min
